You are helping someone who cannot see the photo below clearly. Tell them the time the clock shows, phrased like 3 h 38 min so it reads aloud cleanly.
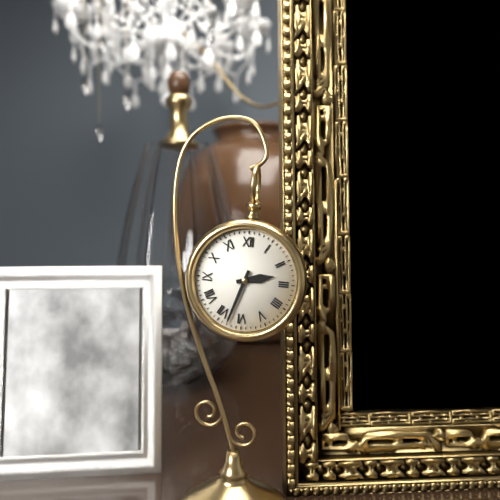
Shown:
2 h 33 min
